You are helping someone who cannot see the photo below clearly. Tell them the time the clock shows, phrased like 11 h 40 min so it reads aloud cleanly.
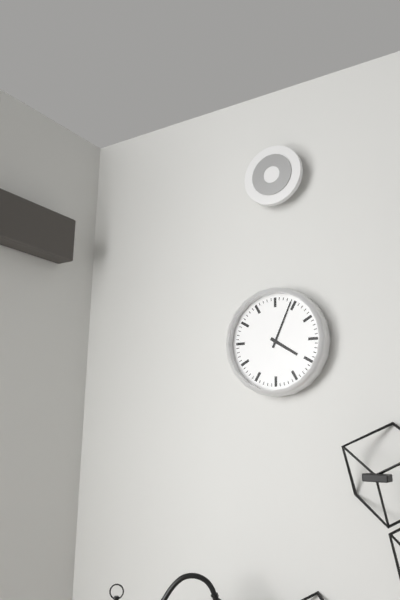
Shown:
4 h 04 min
